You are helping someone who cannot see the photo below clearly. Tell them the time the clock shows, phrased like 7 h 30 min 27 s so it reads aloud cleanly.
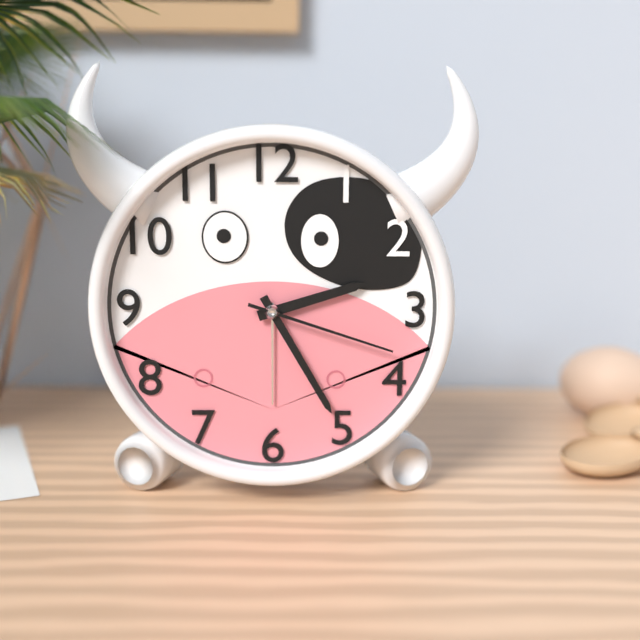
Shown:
2 h 25 min 18 s
